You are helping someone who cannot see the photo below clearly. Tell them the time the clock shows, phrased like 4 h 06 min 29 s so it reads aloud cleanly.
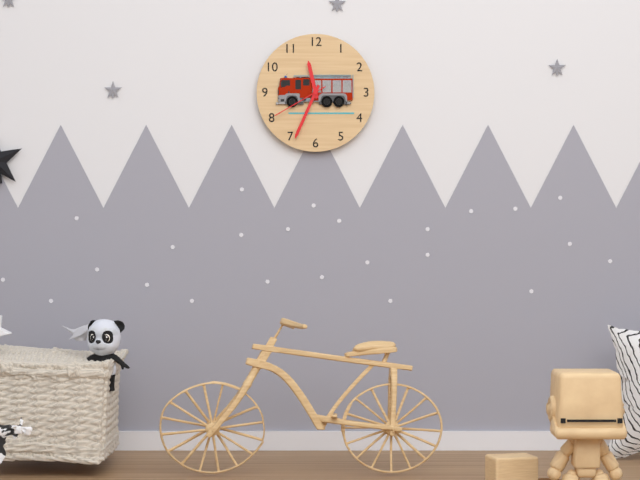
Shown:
11 h 34 min 40 s
